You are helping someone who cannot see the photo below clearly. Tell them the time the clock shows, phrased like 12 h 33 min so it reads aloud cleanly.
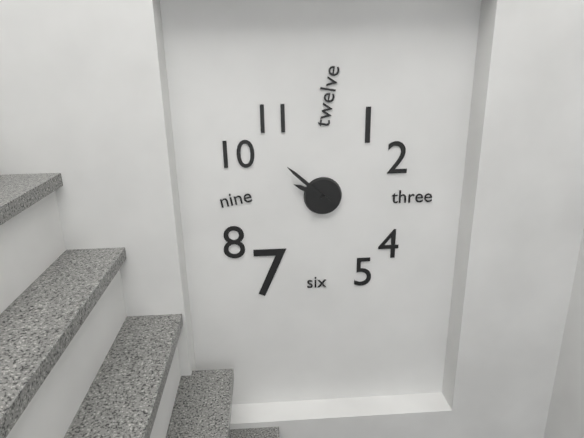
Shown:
9 h 52 min
